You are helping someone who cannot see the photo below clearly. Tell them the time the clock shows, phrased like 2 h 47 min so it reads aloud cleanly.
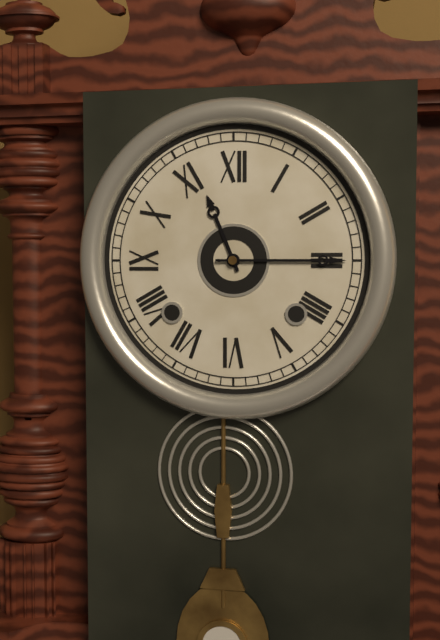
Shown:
11 h 15 min
